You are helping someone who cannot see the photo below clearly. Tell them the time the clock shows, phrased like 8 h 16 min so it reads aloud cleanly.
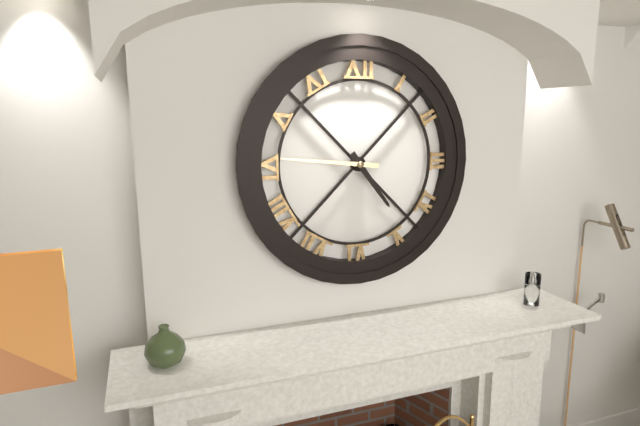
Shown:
4 h 46 min
